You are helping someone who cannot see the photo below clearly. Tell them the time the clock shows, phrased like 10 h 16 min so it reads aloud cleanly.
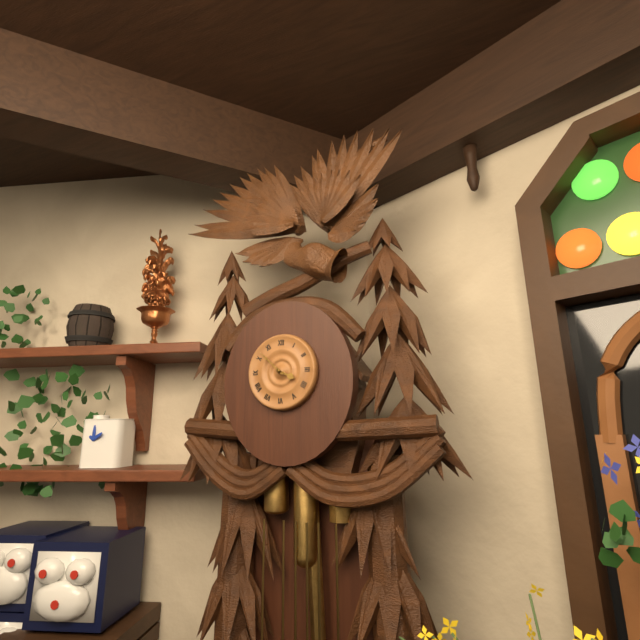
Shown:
3 h 52 min
